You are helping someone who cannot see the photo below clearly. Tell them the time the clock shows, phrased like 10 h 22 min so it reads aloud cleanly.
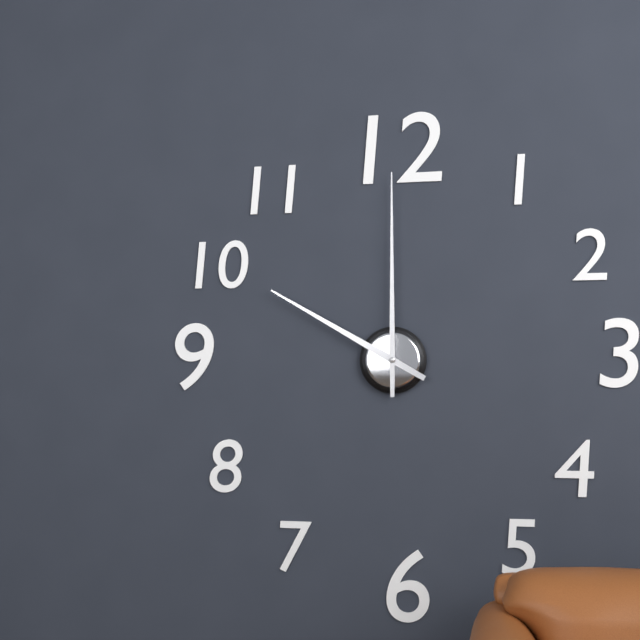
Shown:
10 h 00 min
